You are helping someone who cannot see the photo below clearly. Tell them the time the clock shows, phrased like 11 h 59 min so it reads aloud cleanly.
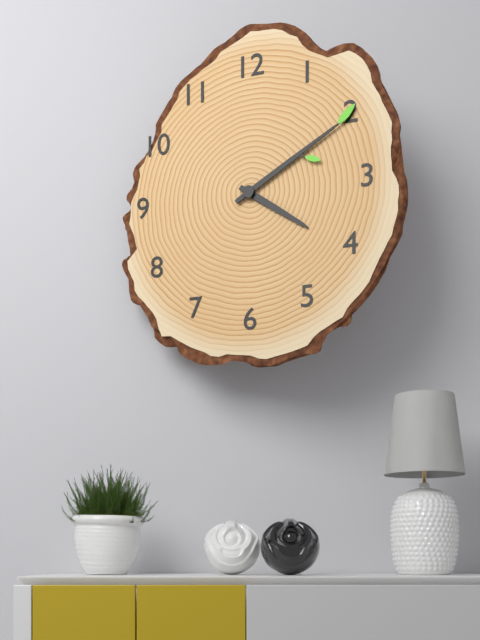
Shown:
4 h 10 min
